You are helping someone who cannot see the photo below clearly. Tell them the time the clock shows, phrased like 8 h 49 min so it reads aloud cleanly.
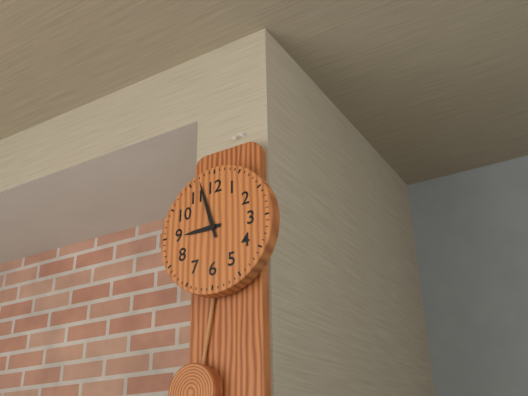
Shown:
8 h 57 min
